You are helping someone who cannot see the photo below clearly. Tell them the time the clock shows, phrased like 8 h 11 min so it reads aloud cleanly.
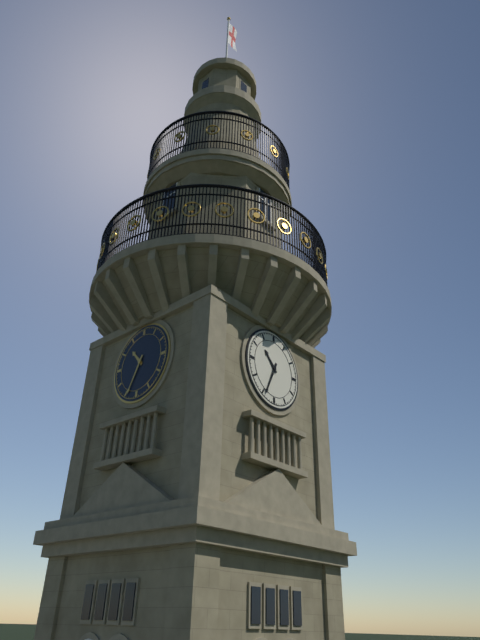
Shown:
10 h 34 min
